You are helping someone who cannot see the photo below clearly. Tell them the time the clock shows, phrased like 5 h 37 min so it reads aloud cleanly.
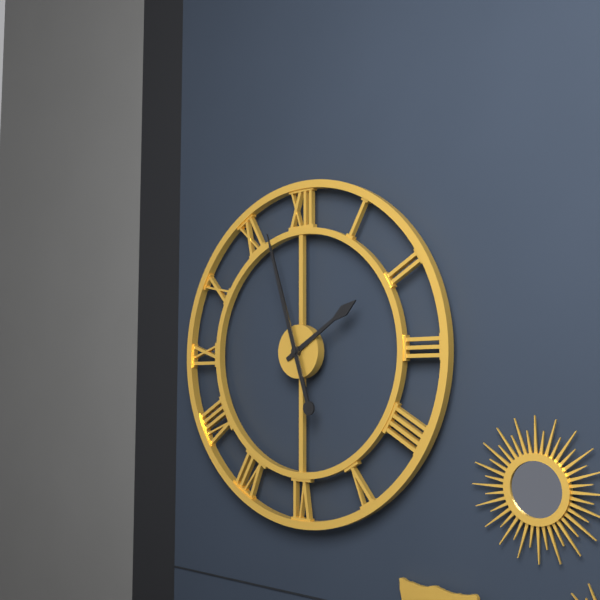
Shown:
1 h 57 min
